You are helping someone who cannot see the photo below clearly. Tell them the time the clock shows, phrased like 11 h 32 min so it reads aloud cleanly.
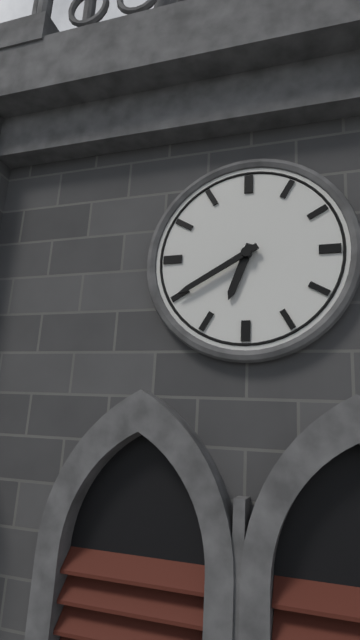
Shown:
6 h 40 min
